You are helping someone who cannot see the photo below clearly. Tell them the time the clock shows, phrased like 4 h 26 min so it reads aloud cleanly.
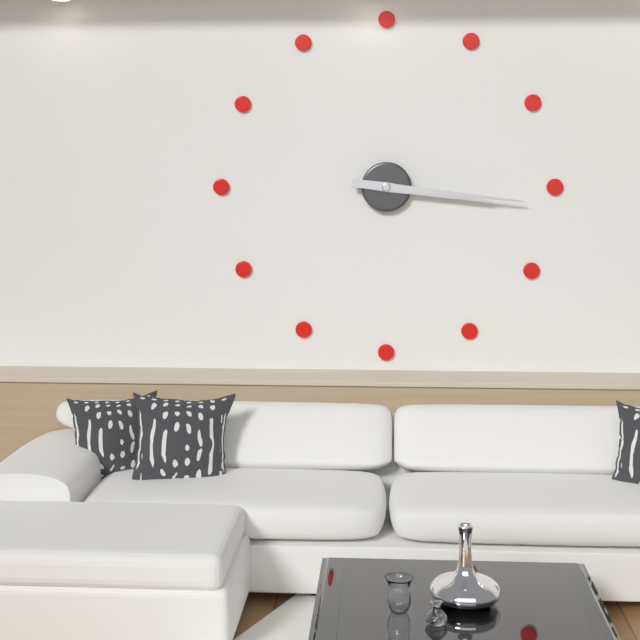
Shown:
3 h 16 min
